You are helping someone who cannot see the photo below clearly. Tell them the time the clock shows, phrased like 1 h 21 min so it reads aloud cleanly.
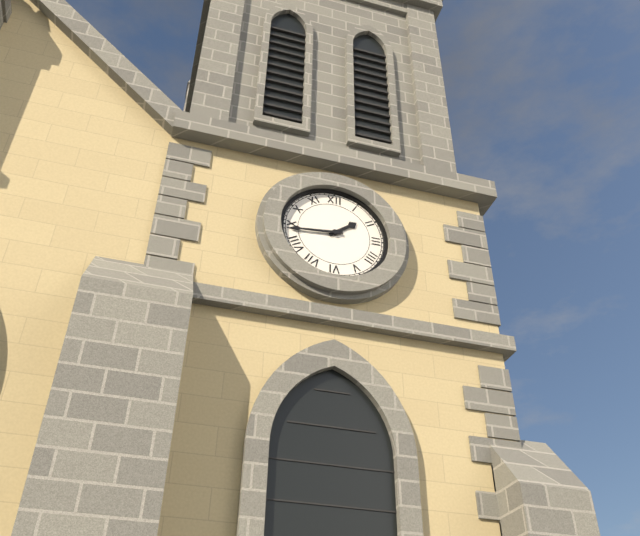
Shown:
1 h 44 min
